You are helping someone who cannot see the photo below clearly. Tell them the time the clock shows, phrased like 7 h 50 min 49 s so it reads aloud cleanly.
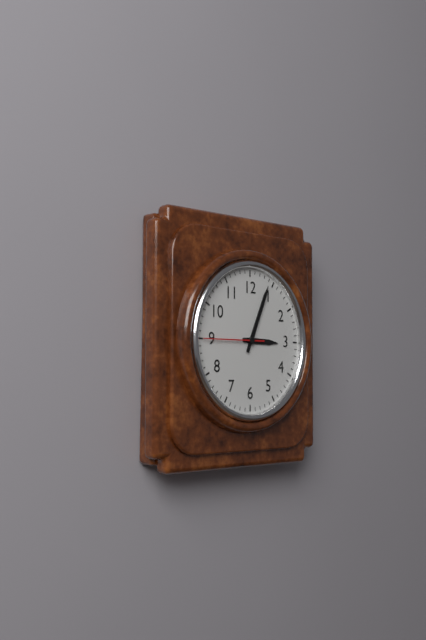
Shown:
3 h 04 min 45 s
